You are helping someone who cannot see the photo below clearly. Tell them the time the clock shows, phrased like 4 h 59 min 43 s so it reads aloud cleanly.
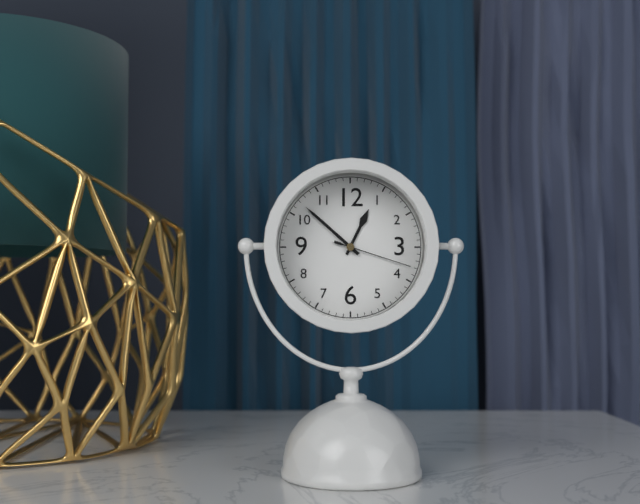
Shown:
12 h 52 min 18 s
